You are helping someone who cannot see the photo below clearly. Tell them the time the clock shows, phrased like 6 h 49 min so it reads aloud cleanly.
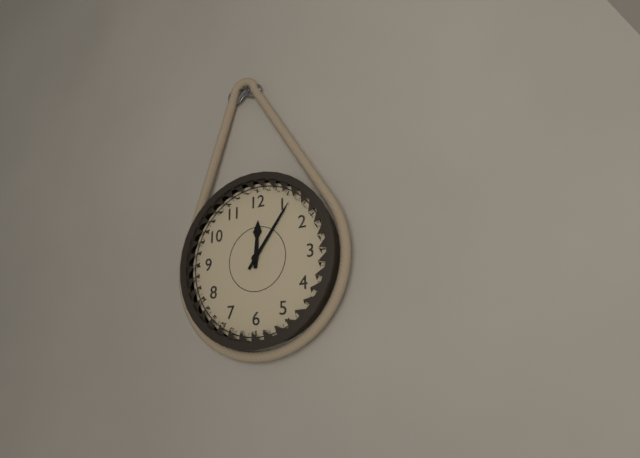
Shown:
12 h 06 min
